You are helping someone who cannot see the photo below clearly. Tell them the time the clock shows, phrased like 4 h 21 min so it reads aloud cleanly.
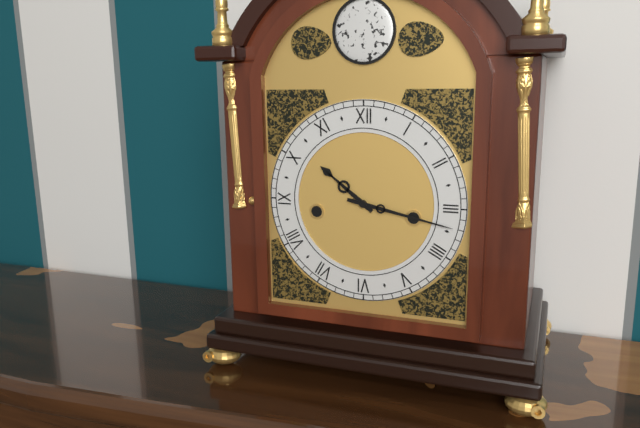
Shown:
10 h 17 min
